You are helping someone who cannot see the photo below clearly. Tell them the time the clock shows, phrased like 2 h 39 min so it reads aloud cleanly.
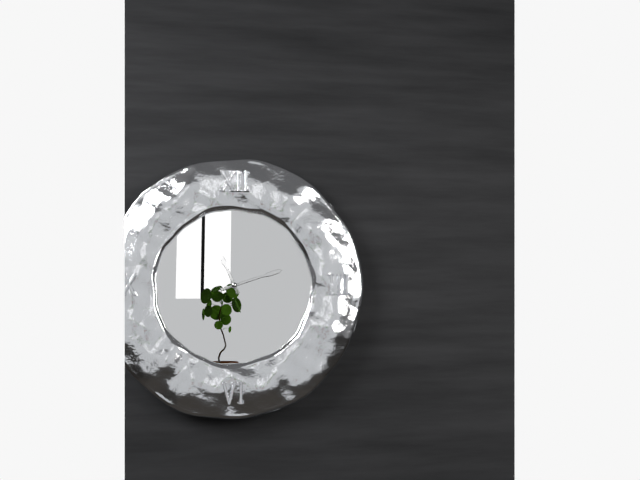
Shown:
11 h 12 min
